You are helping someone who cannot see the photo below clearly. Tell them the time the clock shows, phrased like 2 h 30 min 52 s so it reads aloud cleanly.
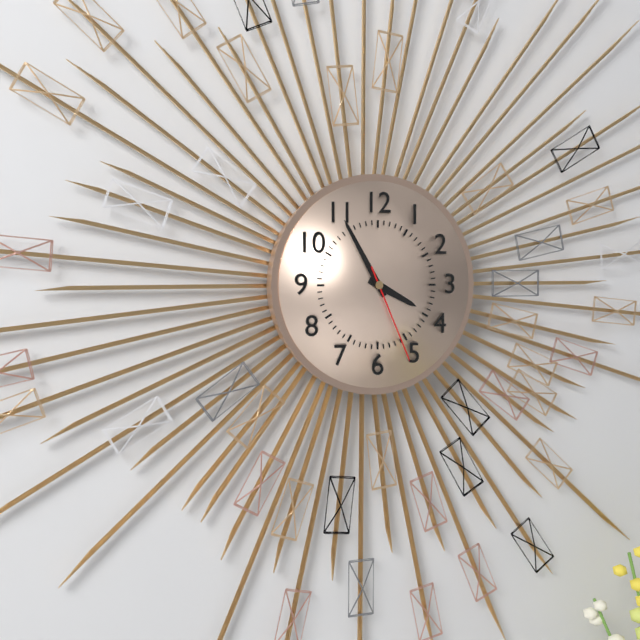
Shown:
3 h 55 min 26 s
